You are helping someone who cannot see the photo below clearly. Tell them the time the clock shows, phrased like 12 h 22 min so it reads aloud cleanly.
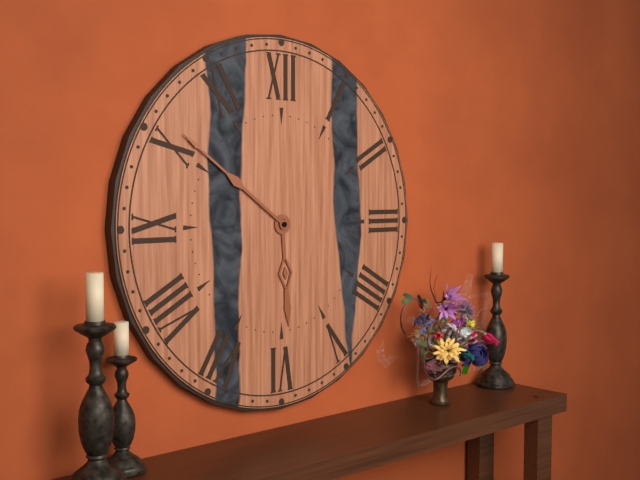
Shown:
5 h 51 min
